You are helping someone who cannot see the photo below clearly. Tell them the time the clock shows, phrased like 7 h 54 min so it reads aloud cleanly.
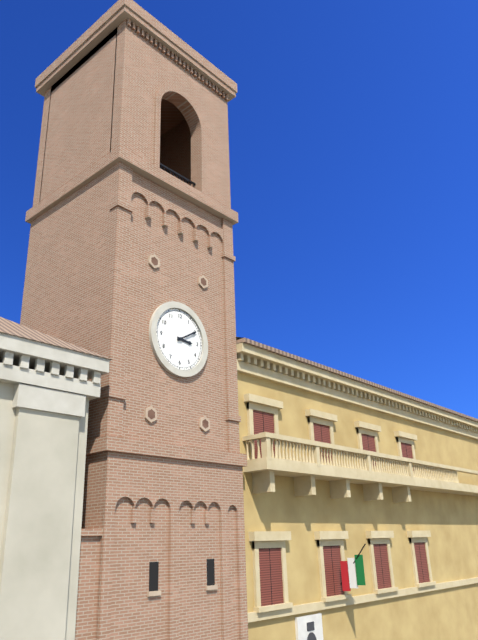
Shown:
3 h 10 min
